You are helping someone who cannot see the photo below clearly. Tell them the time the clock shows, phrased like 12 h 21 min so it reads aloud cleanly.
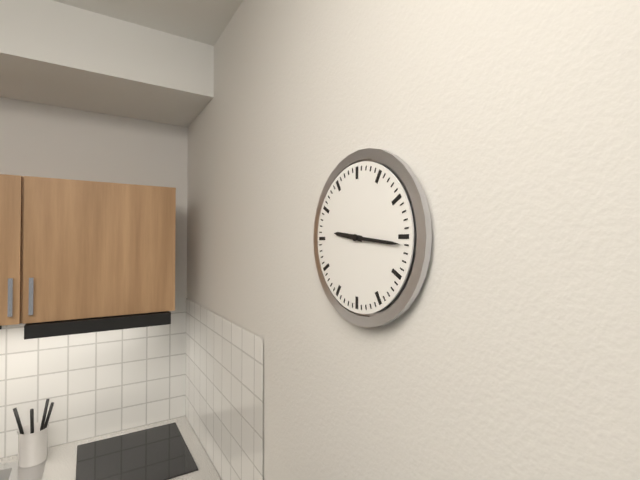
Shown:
9 h 16 min
